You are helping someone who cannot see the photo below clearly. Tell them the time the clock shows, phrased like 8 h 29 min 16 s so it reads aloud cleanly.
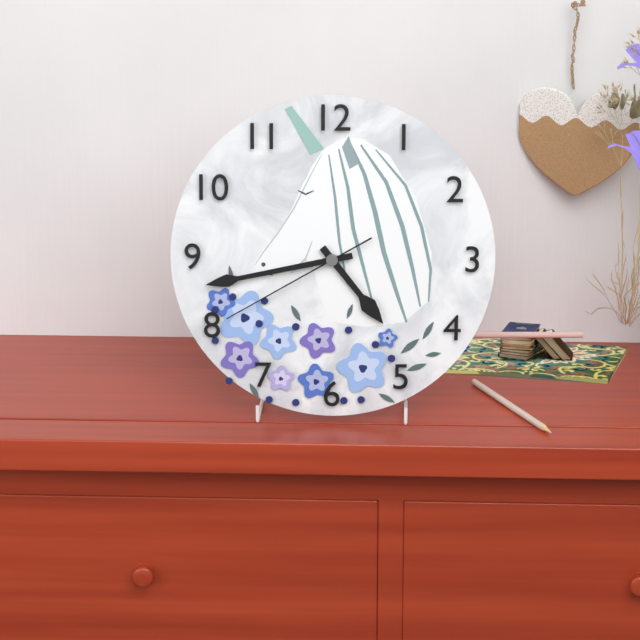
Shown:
4 h 43 min 40 s
